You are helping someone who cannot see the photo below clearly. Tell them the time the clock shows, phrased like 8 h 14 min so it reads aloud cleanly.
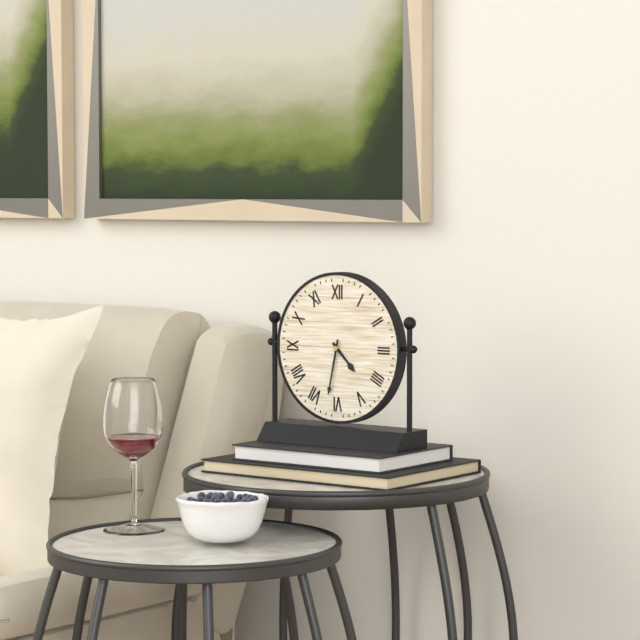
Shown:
4 h 32 min
